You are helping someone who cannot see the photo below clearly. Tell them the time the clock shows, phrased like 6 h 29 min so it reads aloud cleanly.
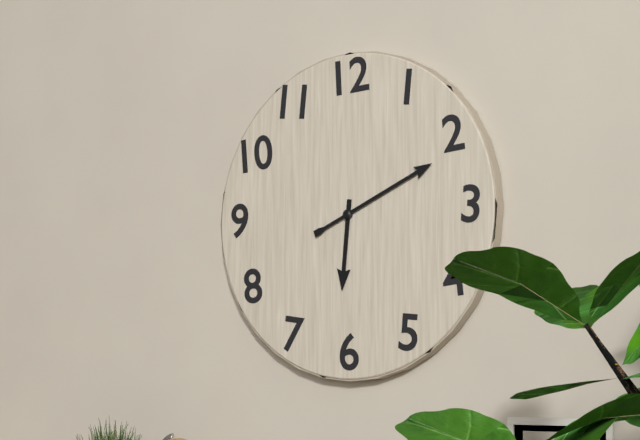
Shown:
6 h 11 min
